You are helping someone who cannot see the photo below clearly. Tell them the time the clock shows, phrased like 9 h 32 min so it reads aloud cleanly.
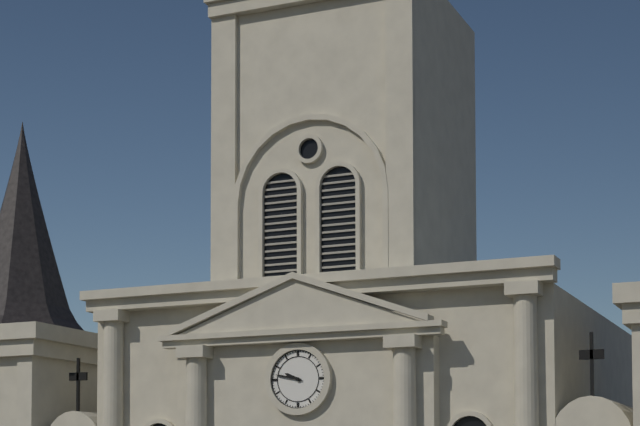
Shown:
9 h 47 min
